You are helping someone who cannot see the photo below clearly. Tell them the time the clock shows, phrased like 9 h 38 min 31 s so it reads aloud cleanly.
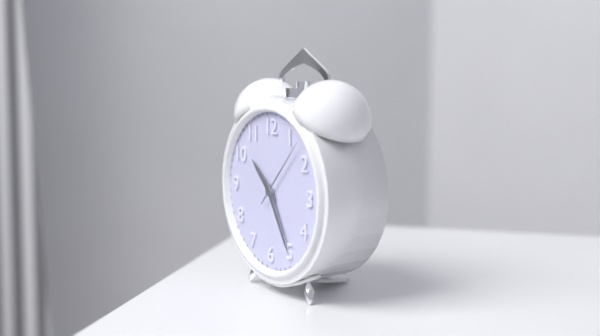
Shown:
10 h 25 min 07 s
